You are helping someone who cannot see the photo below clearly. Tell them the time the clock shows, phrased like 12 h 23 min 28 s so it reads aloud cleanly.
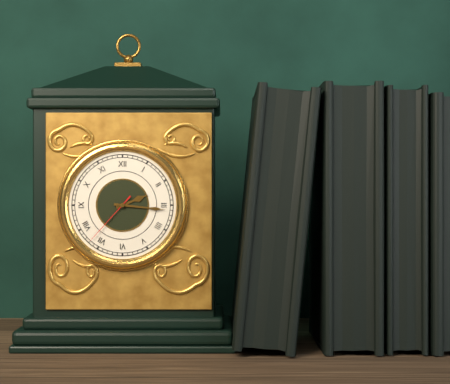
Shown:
2 h 16 min 37 s
